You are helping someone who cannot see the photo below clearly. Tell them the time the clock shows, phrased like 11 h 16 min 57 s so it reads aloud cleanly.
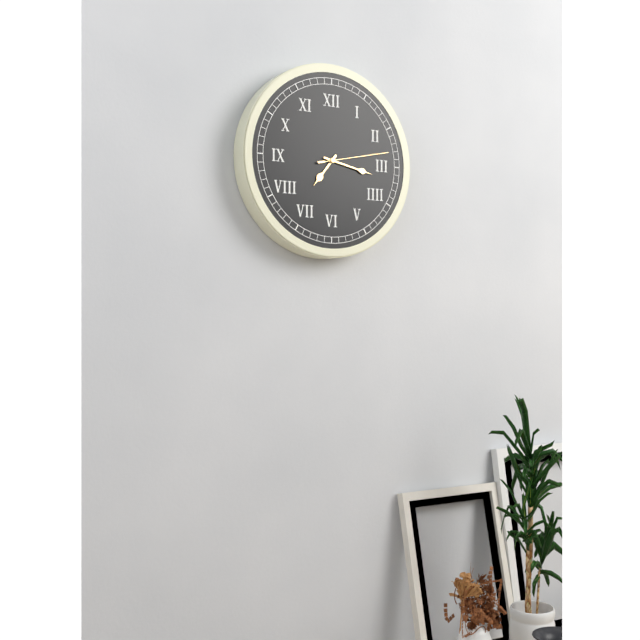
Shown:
7 h 17 min 13 s
